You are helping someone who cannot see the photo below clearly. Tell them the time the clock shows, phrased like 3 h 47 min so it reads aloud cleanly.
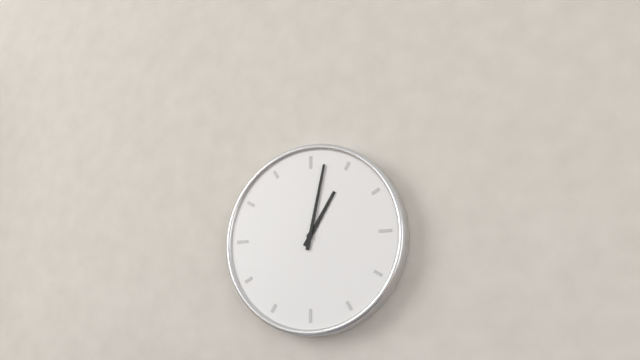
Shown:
1 h 02 min
